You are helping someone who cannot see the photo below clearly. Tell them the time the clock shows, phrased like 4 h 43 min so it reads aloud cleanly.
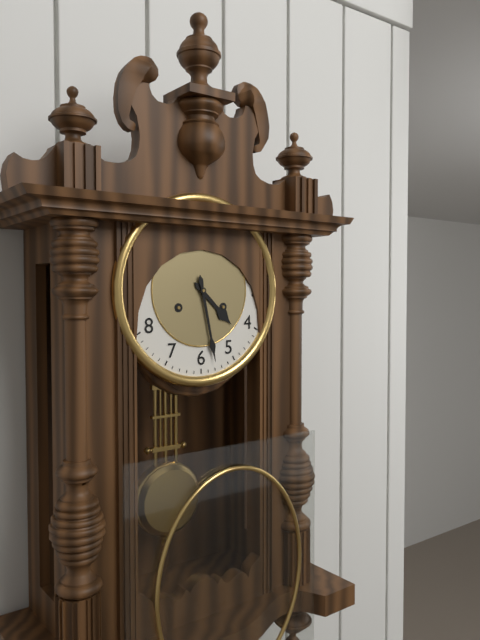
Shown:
4 h 28 min
